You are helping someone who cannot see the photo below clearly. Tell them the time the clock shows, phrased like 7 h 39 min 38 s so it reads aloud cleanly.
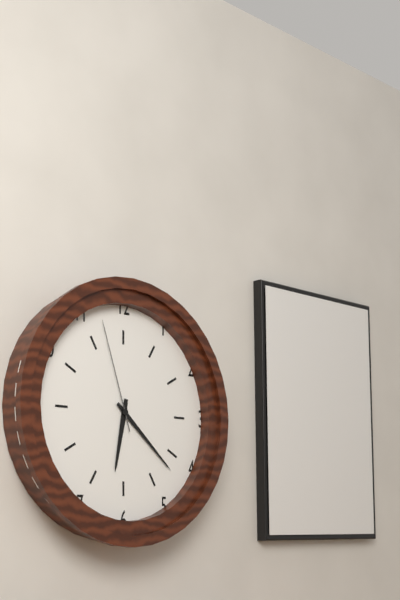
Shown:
6 h 22 min 57 s
